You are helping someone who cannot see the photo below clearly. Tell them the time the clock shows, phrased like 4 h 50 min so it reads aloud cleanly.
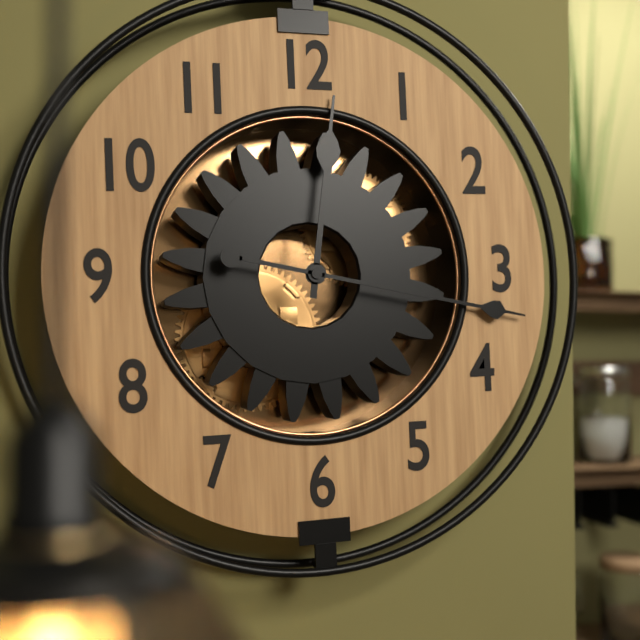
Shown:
12 h 17 min
